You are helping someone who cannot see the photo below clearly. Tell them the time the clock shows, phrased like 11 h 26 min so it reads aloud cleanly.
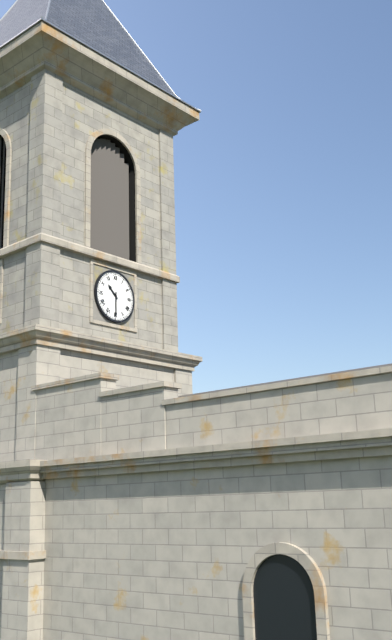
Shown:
10 h 30 min
